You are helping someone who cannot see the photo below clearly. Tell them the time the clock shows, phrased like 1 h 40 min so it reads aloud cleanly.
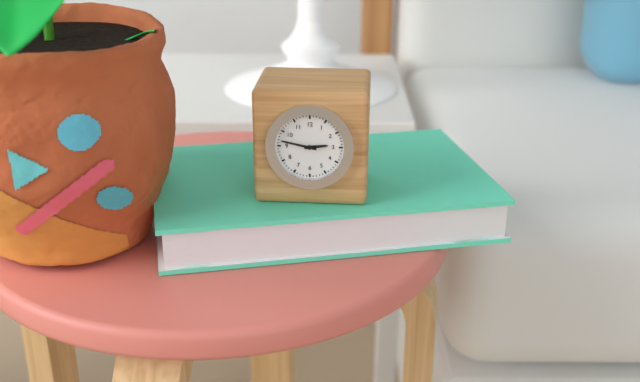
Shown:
2 h 47 min
